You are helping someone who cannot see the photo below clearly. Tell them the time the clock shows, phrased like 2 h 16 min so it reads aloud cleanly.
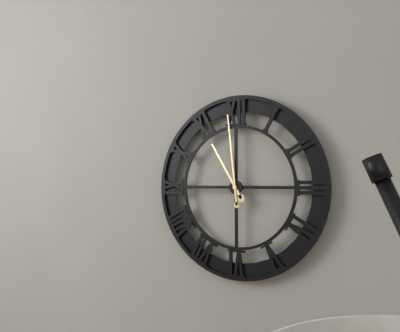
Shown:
10 h 59 min
